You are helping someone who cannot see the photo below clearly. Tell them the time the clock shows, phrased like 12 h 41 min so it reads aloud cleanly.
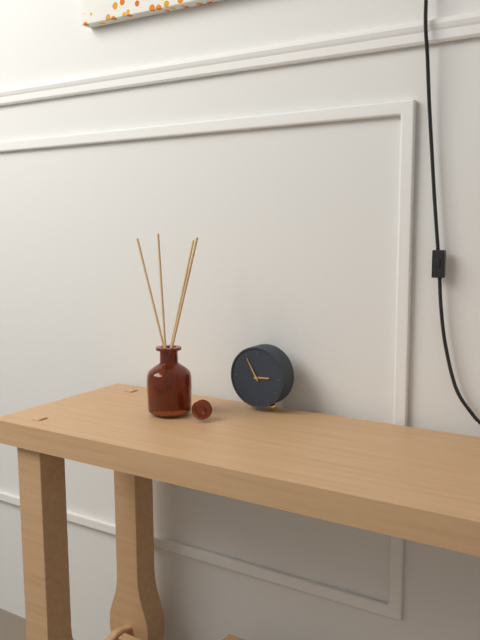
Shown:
2 h 55 min
